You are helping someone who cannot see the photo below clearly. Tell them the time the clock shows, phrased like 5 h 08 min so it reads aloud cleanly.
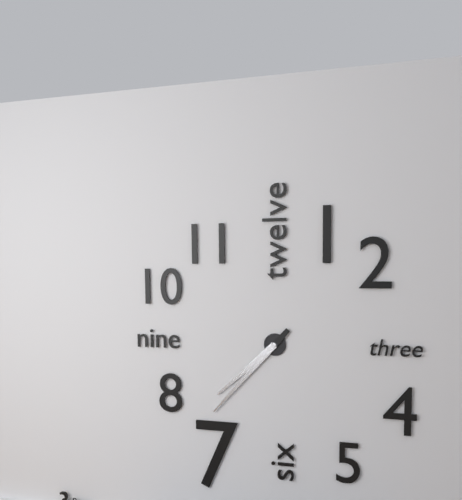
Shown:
7 h 37 min
